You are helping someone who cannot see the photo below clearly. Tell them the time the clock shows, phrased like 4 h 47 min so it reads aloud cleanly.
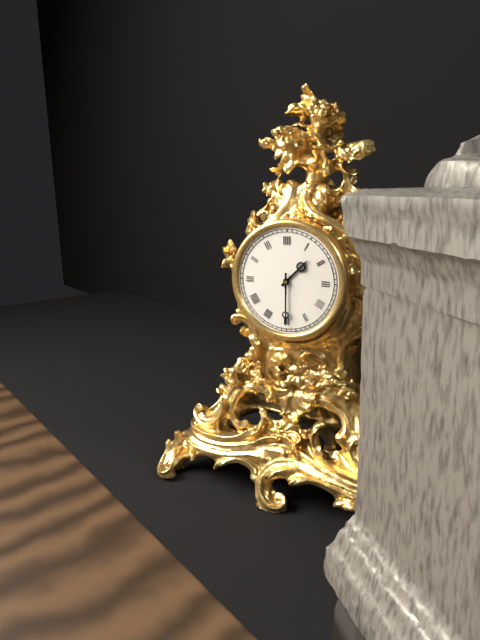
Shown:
1 h 30 min
